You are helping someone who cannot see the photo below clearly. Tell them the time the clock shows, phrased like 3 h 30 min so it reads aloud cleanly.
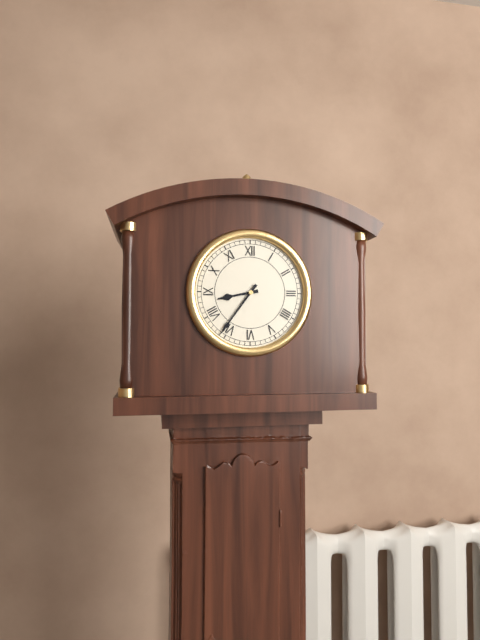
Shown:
8 h 36 min
